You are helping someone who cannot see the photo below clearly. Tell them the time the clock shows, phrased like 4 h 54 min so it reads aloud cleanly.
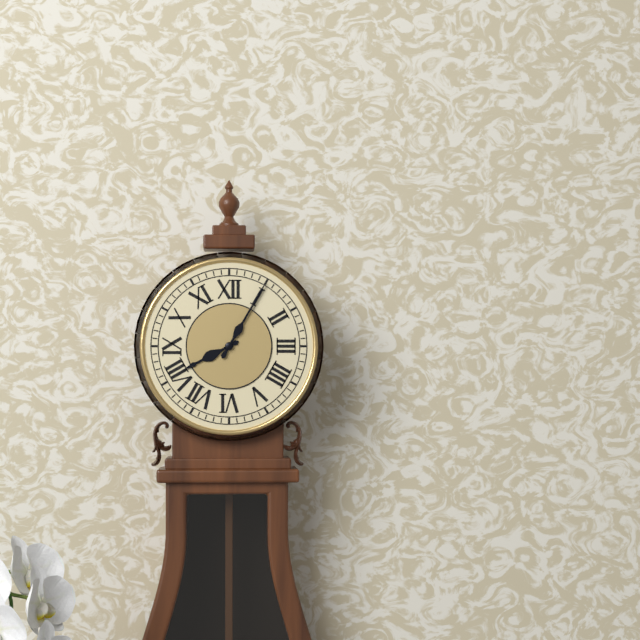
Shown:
8 h 05 min
